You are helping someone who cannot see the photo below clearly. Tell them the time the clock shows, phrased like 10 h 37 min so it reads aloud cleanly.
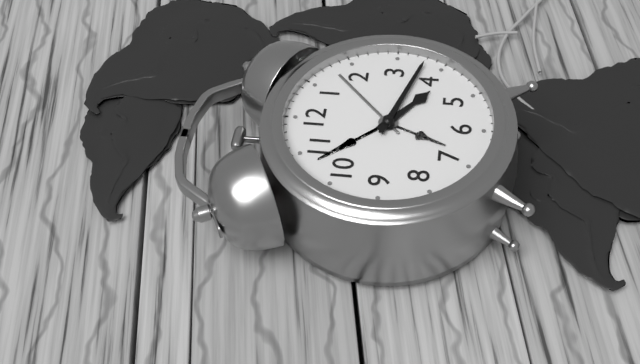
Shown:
4 h 18 min
